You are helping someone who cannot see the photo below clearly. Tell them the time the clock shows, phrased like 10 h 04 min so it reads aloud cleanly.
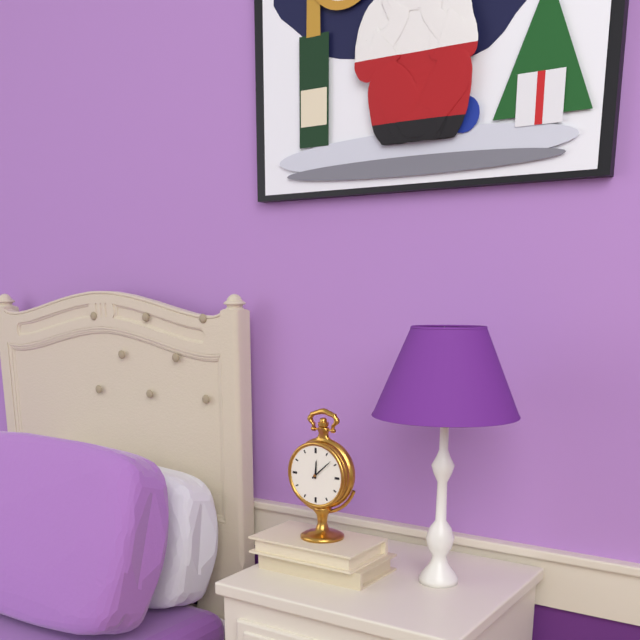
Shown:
12 h 08 min
